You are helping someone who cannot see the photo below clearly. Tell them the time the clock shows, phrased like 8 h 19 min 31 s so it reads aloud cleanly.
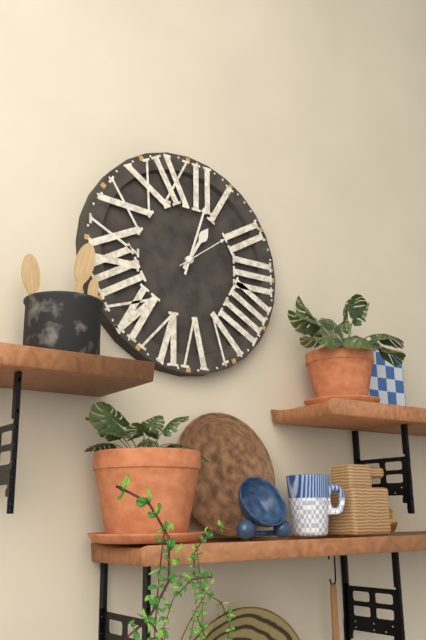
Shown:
1 h 03 min 09 s
